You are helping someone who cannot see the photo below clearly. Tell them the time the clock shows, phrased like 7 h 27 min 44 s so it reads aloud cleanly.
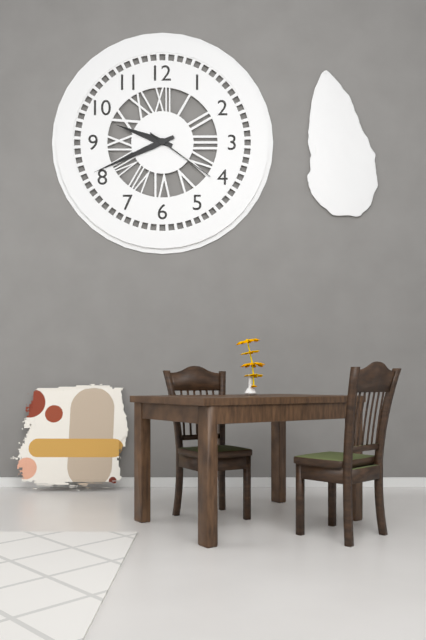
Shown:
9 h 41 min 21 s
